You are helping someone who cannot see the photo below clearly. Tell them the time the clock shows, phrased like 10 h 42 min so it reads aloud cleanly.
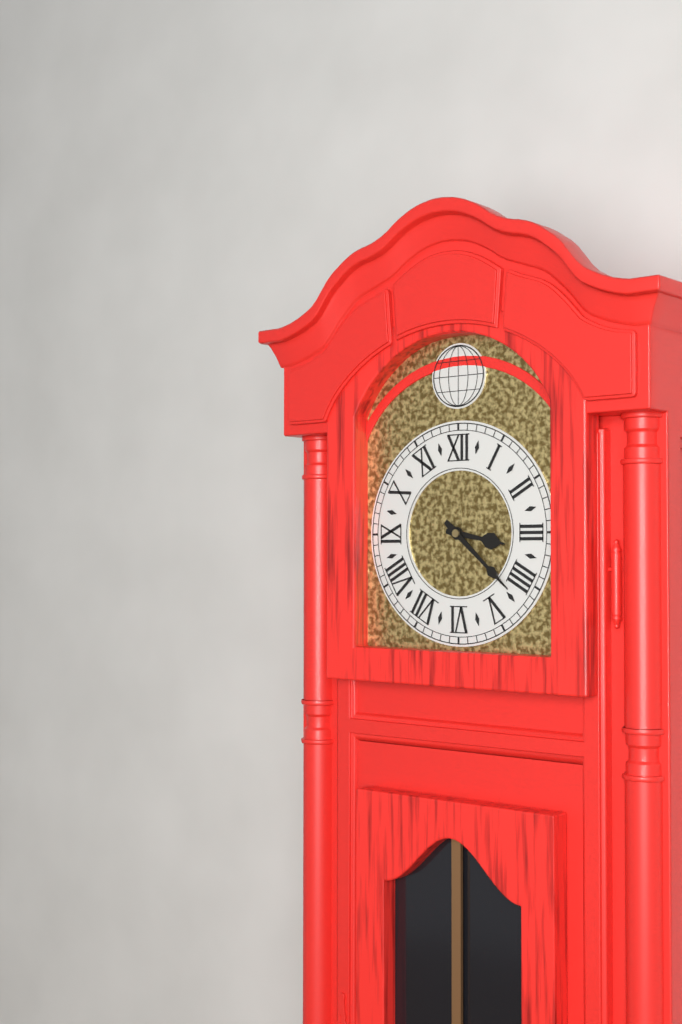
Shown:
3 h 22 min
